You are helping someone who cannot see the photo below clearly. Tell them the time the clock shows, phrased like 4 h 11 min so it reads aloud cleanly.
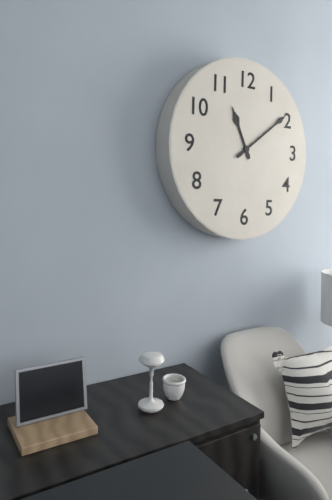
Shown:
11 h 09 min
